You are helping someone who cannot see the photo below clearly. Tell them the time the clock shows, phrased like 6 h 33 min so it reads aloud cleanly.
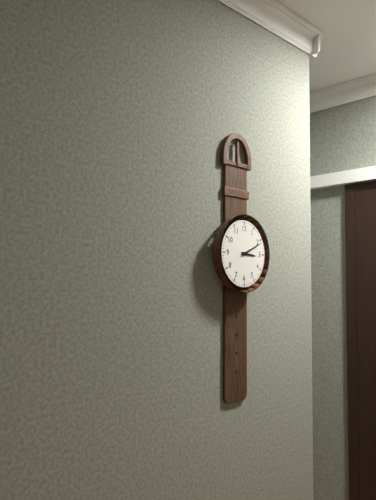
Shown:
3 h 11 min
